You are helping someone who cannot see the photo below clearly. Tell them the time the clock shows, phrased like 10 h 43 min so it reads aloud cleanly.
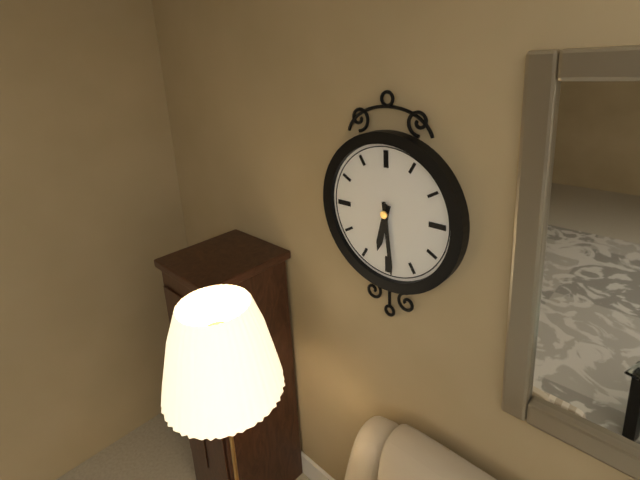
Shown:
6 h 29 min
